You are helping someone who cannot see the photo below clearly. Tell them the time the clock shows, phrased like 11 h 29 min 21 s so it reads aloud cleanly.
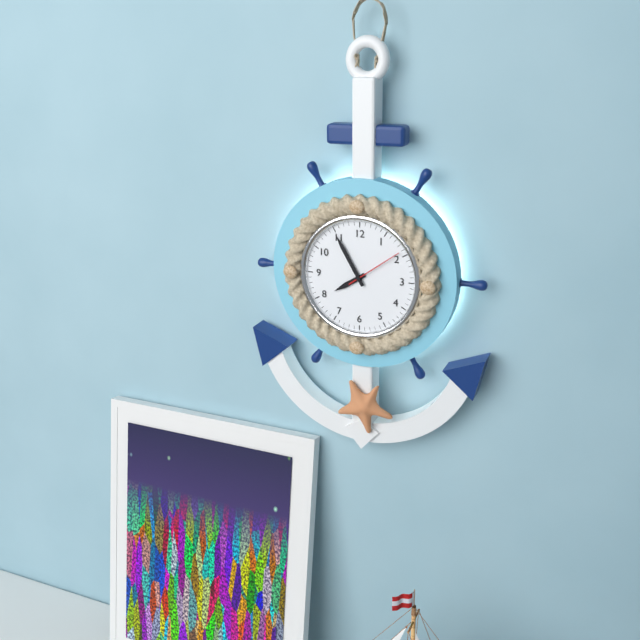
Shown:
7 h 55 min 09 s
